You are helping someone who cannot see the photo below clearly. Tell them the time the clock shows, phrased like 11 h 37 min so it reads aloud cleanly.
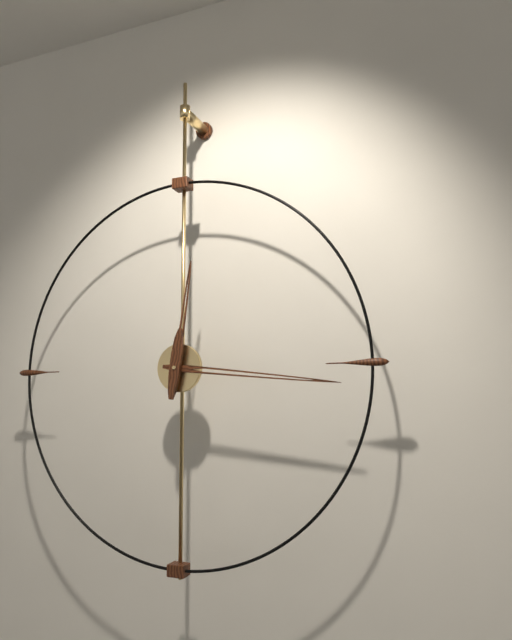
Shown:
12 h 16 min
